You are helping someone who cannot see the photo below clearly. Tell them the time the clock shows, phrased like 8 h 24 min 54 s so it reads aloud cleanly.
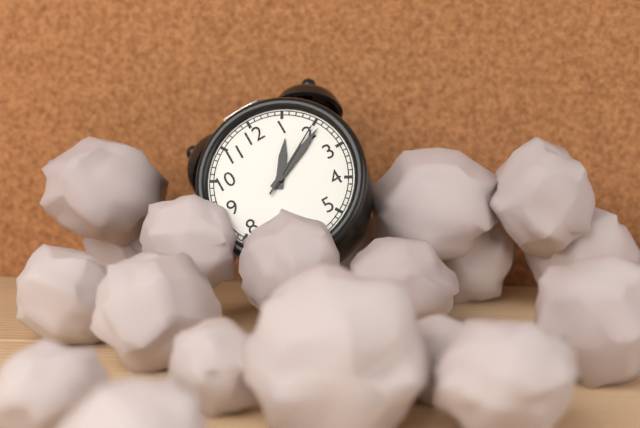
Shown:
1 h 11 min 10 s
